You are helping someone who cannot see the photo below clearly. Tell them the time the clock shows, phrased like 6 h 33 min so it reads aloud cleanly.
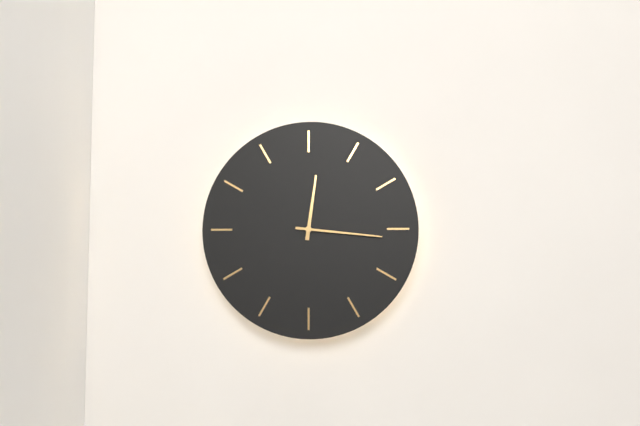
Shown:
12 h 16 min
